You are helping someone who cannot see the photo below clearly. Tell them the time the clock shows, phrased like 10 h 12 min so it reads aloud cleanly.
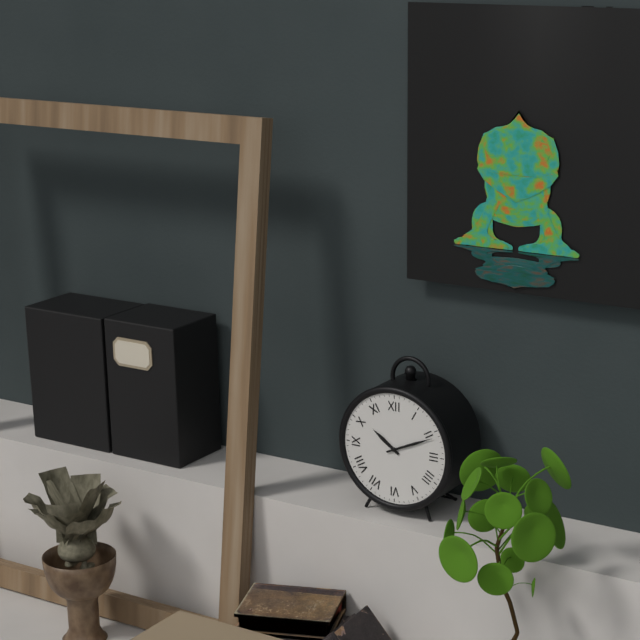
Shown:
10 h 11 min
